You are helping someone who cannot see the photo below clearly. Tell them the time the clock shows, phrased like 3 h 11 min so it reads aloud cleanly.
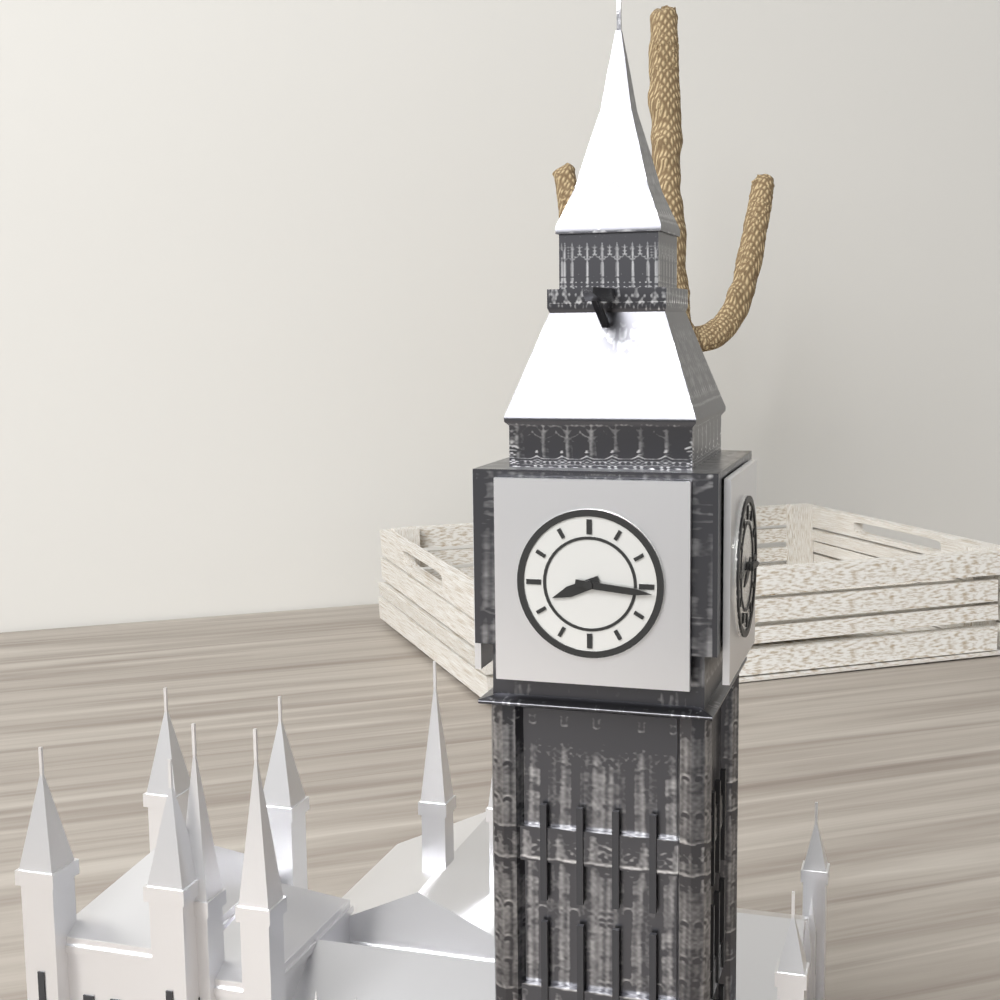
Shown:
8 h 16 min
